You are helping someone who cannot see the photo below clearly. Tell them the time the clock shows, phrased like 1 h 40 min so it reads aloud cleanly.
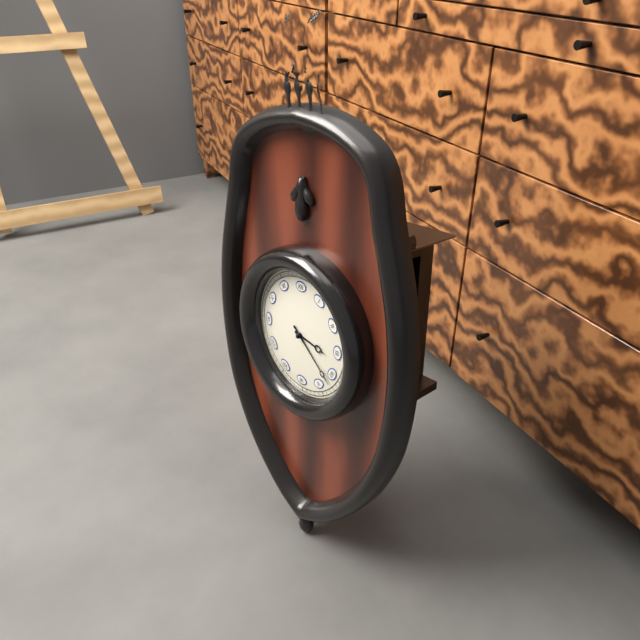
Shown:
3 h 22 min
